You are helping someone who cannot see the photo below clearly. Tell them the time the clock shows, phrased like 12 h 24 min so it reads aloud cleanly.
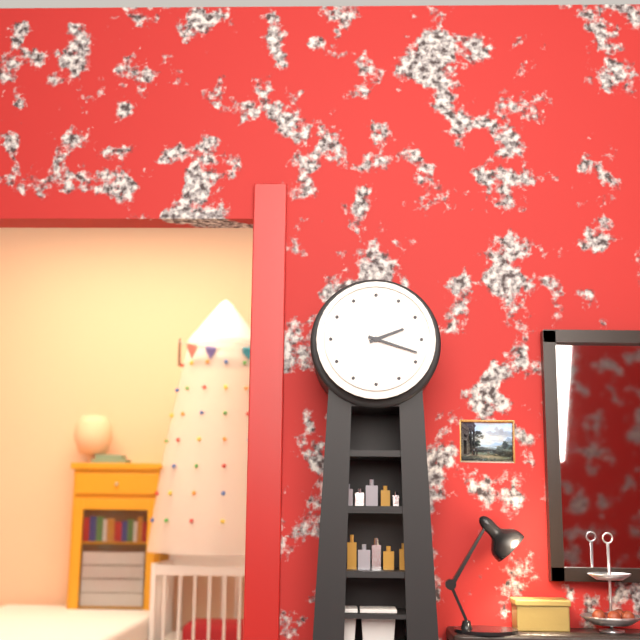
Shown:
2 h 18 min
